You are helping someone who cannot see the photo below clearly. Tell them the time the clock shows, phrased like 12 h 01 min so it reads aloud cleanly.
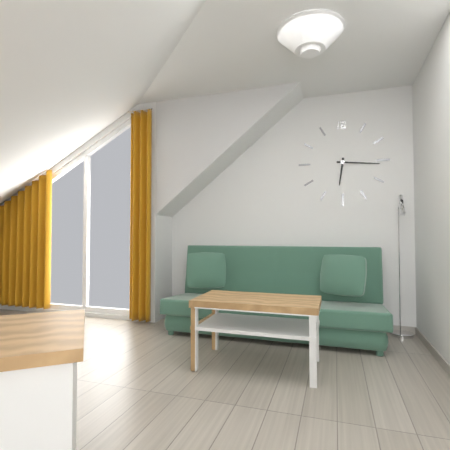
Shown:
6 h 16 min
